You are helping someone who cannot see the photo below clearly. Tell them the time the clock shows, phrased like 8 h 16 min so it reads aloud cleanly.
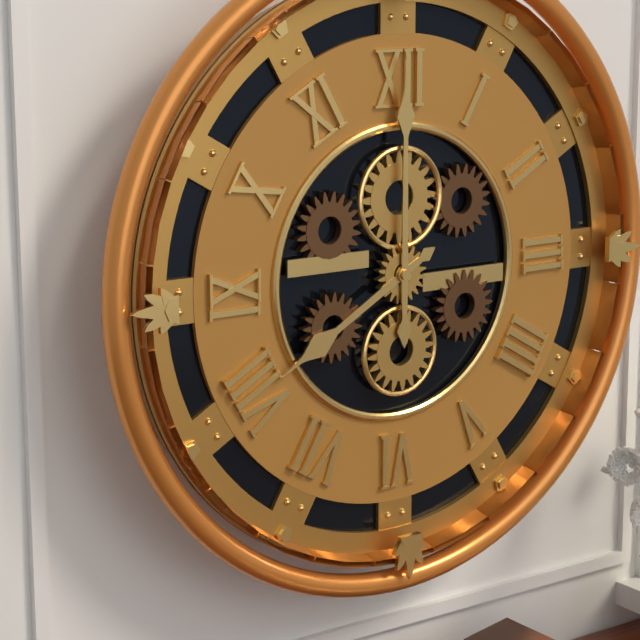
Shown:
8 h 00 min
